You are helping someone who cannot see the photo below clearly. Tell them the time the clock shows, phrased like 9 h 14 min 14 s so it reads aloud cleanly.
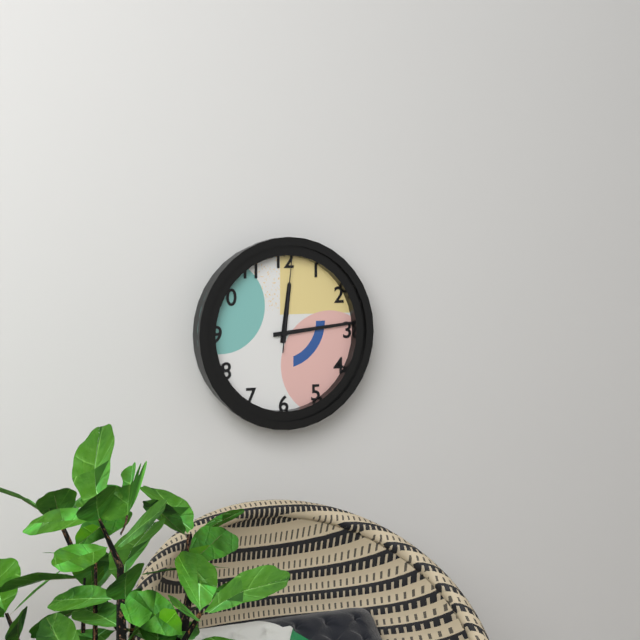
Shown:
12 h 14 min 01 s
